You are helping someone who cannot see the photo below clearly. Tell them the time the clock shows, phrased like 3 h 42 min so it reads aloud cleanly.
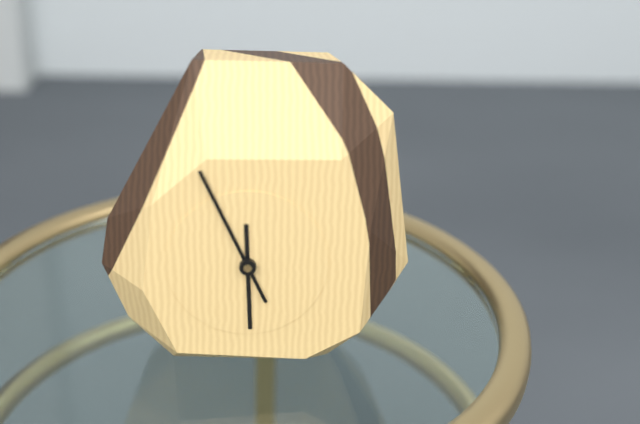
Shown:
5 h 56 min
